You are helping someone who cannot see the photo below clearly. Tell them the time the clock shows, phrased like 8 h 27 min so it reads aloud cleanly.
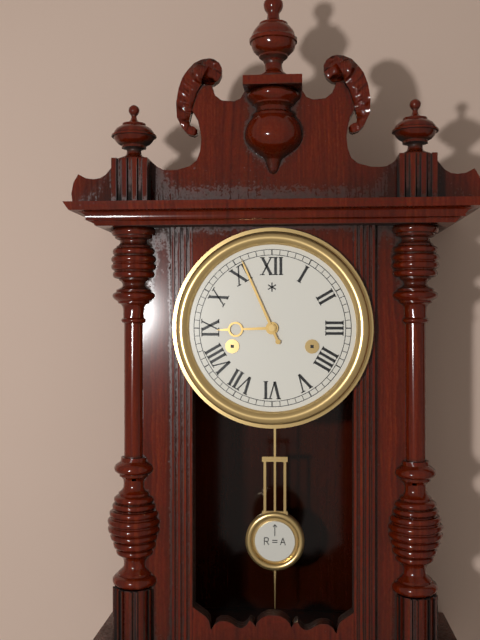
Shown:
8 h 56 min
